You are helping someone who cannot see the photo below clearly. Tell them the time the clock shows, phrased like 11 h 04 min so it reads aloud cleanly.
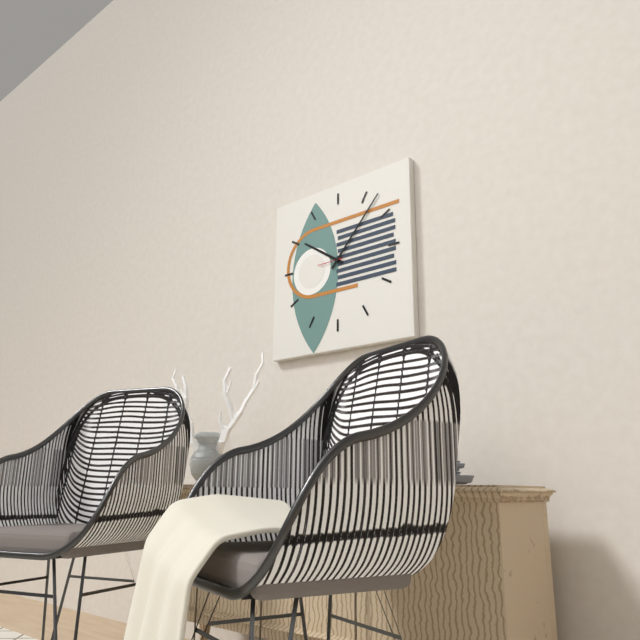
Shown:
10 h 07 min
